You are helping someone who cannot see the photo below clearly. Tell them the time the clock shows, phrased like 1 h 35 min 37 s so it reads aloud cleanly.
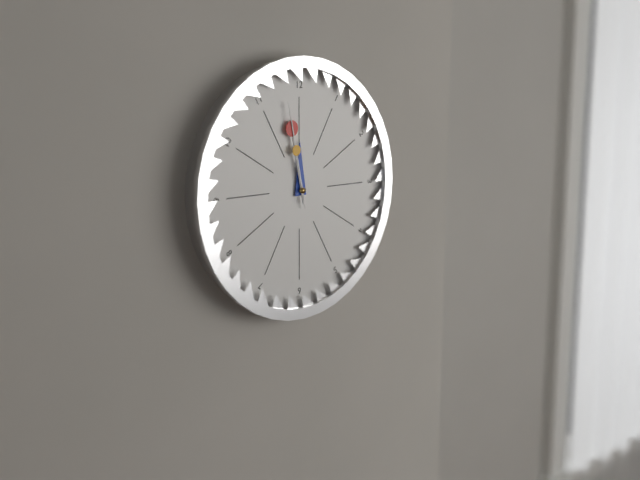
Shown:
11 h 58 min 58 s
